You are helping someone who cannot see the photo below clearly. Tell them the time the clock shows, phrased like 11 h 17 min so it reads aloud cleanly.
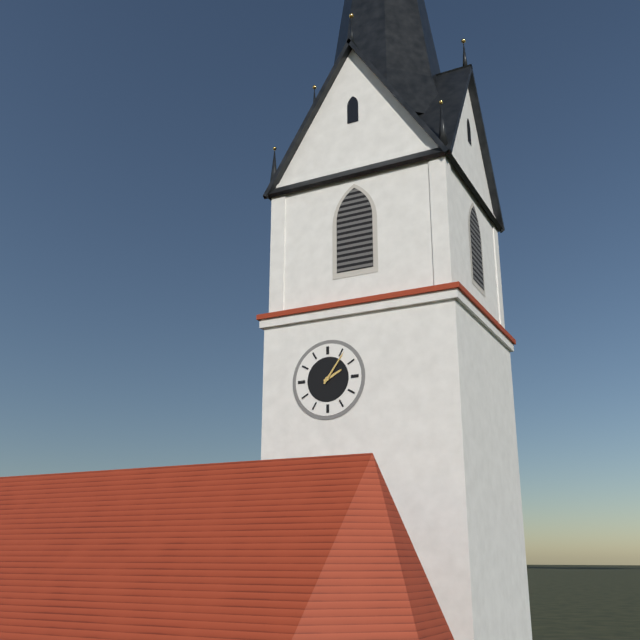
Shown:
2 h 06 min
